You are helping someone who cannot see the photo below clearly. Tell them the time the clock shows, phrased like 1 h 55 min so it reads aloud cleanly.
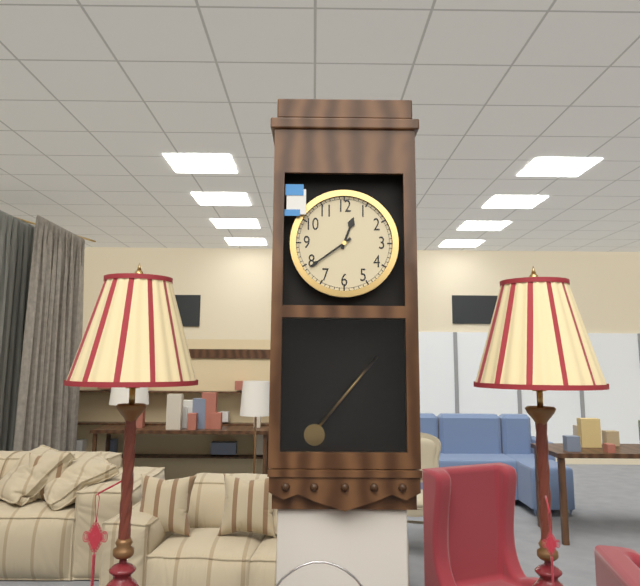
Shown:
12 h 39 min
